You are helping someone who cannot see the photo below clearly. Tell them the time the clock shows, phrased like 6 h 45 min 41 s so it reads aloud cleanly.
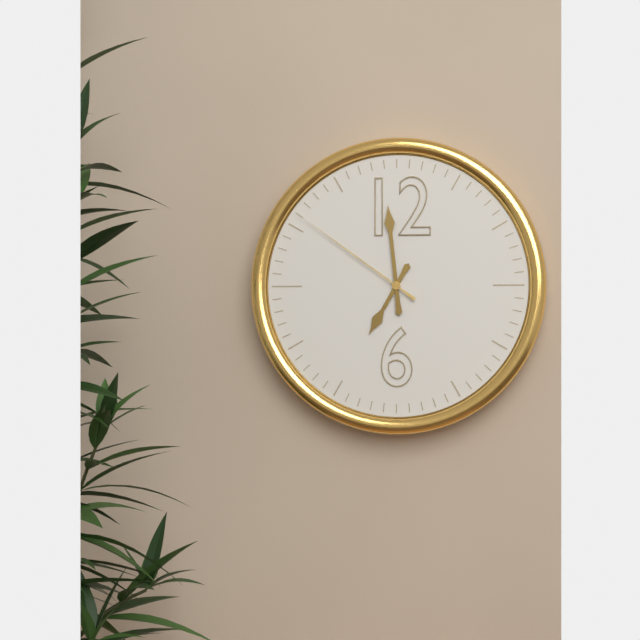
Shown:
6 h 59 min 51 s
